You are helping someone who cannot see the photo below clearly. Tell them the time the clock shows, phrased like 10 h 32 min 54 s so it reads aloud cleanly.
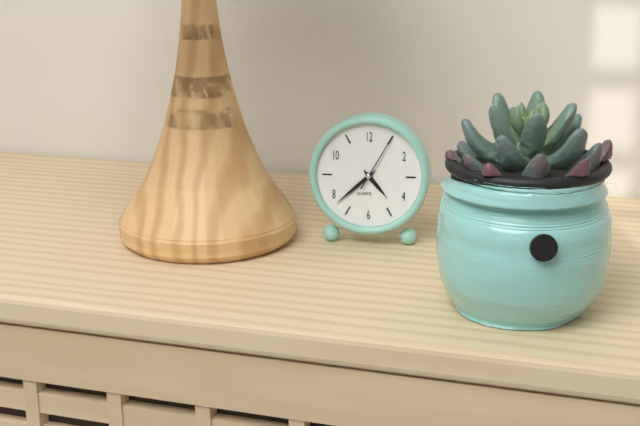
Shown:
4 h 38 min 05 s
